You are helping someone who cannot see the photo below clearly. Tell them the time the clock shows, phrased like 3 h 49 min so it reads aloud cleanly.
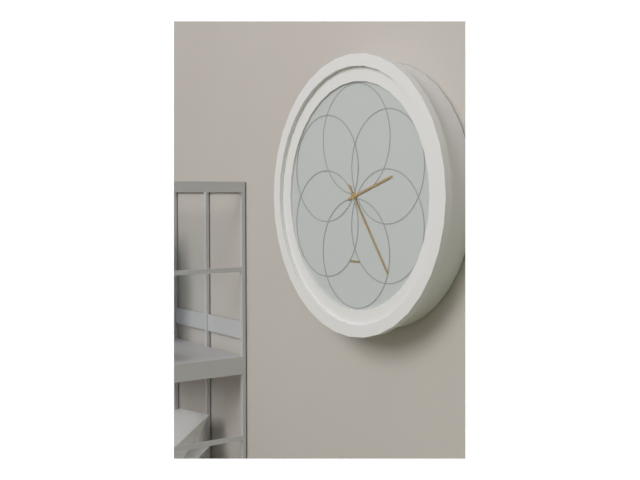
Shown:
2 h 24 min
